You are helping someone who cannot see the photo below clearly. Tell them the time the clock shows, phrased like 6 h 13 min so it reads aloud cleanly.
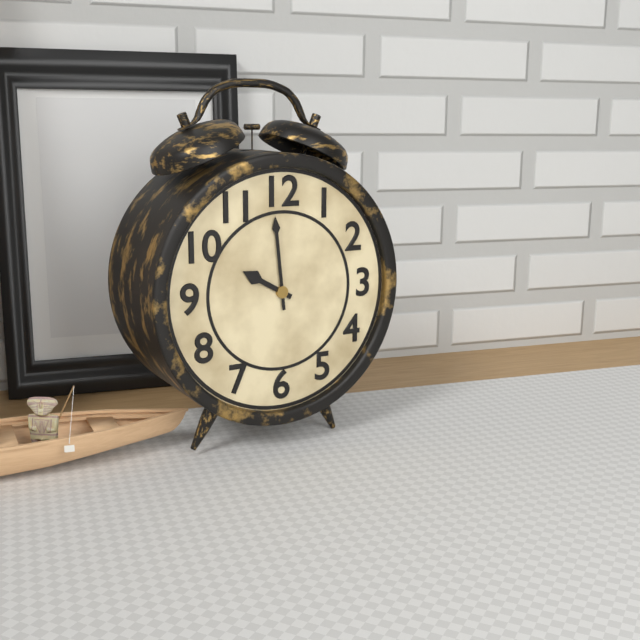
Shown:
9 h 59 min
